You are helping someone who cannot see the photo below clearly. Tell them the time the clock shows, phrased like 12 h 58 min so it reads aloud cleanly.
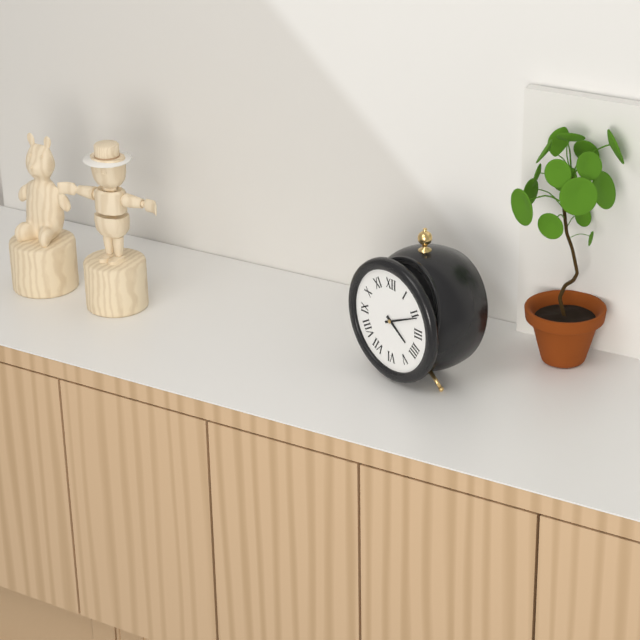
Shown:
4 h 11 min
